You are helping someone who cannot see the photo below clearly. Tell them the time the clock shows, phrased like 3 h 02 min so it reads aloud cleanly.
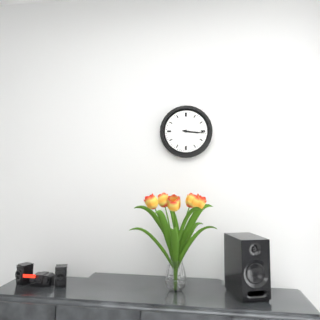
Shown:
3 h 16 min
